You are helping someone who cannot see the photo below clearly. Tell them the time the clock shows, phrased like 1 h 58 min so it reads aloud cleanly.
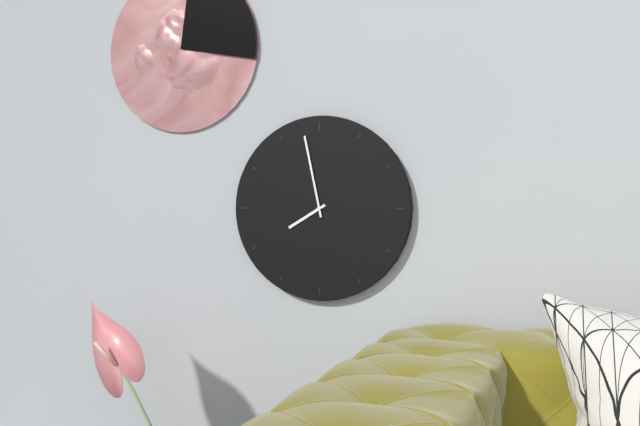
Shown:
7 h 58 min
